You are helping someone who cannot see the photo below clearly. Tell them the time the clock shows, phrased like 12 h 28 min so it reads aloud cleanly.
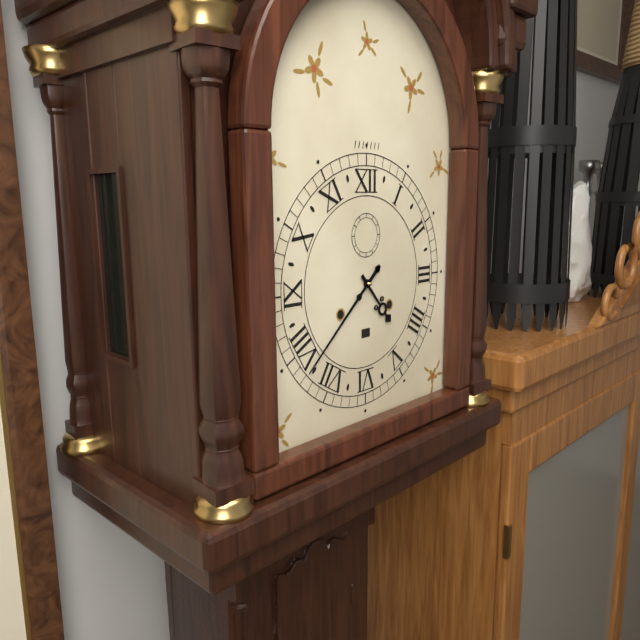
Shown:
4 h 38 min
